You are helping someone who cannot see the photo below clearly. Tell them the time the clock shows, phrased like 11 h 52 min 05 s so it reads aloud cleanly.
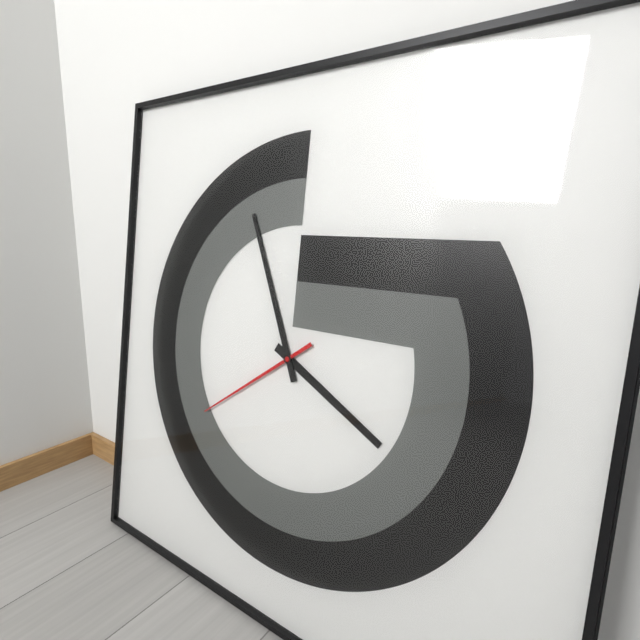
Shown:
3 h 56 min 39 s
